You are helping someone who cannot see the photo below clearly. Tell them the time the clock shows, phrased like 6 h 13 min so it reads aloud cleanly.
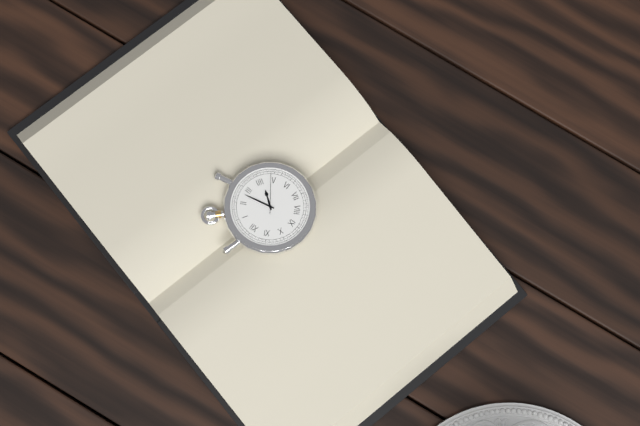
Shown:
4 h 13 min
